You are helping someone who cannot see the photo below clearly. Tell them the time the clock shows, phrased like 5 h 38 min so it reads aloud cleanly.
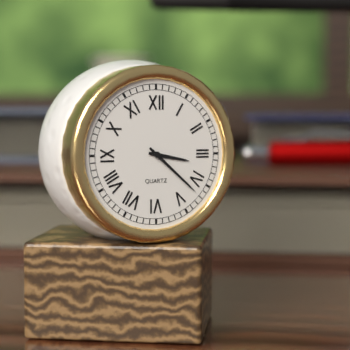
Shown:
3 h 22 min
